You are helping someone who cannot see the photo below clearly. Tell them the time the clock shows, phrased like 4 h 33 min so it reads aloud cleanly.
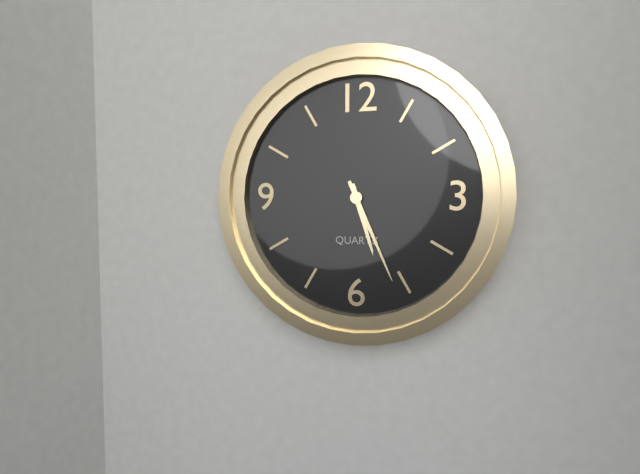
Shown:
5 h 26 min
